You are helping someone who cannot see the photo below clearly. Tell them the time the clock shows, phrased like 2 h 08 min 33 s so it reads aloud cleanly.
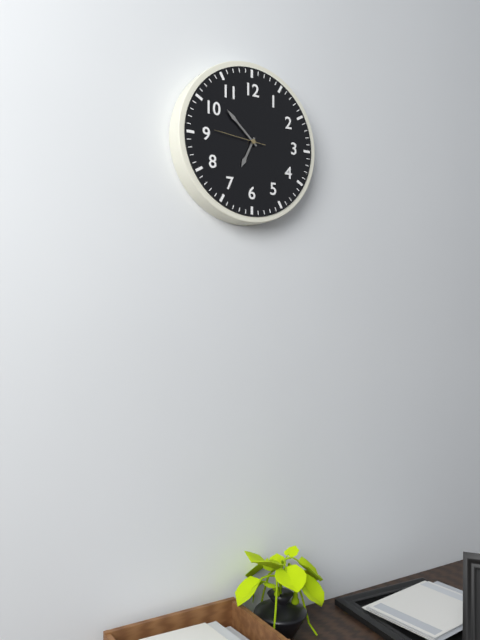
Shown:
6 h 52 min 46 s
